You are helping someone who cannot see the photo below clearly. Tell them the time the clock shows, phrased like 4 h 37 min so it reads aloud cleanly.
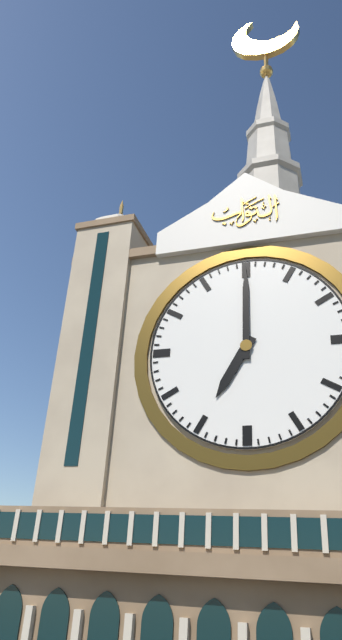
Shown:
7 h 00 min
